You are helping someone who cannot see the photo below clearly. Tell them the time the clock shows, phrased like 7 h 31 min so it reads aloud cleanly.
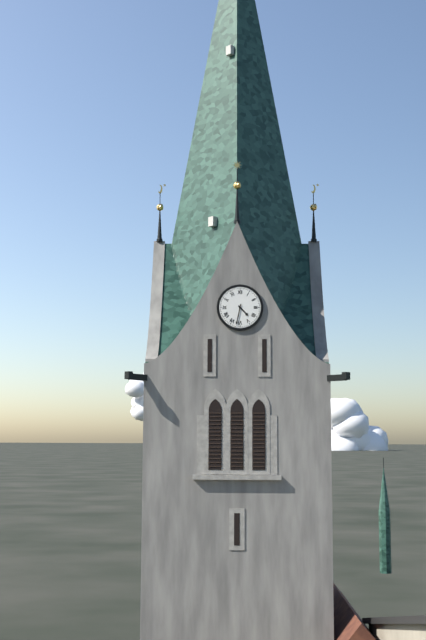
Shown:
4 h 32 min
